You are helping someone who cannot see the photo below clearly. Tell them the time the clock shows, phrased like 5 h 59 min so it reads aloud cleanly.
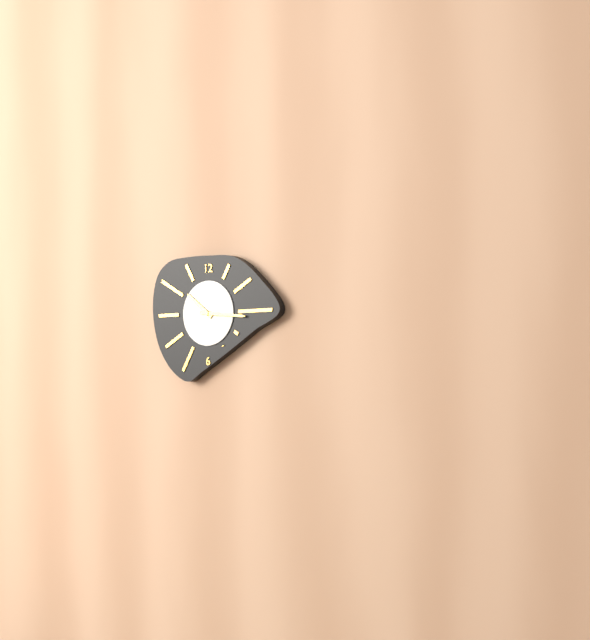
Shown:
10 h 16 min
